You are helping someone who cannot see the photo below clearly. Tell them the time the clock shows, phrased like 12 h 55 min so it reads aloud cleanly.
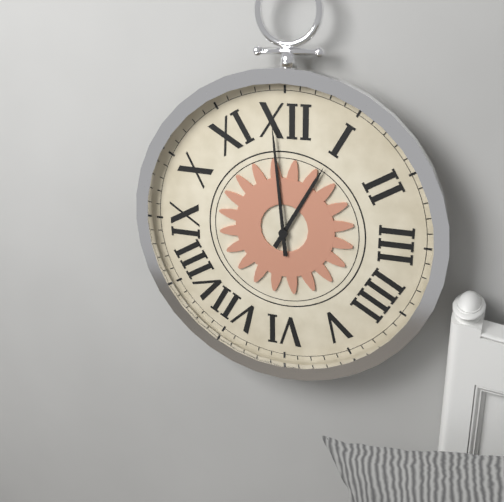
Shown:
12 h 59 min
